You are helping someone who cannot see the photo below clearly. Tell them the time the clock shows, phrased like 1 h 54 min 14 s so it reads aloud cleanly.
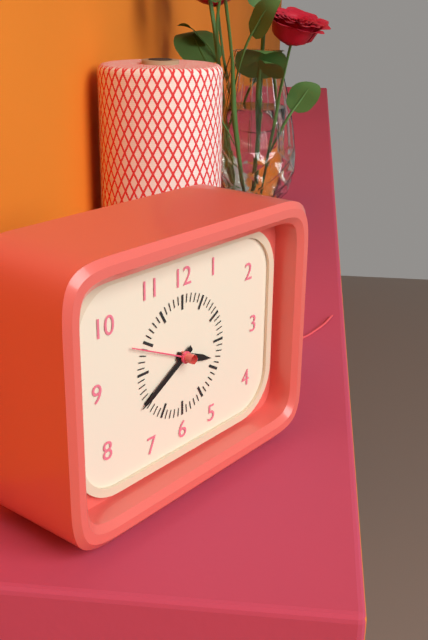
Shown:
3 h 40 min 49 s
